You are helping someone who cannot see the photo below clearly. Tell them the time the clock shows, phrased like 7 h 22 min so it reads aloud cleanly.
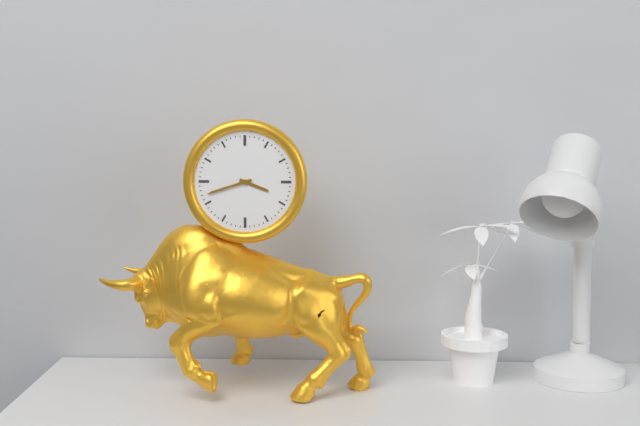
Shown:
3 h 42 min
